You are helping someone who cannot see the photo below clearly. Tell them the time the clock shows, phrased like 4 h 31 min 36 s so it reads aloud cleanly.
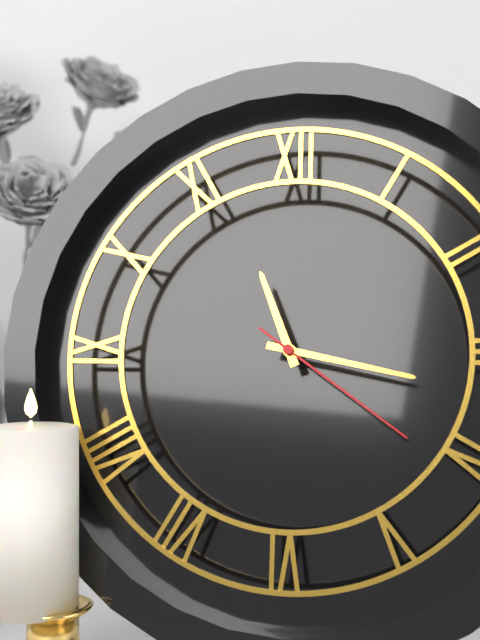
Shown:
11 h 17 min 21 s
